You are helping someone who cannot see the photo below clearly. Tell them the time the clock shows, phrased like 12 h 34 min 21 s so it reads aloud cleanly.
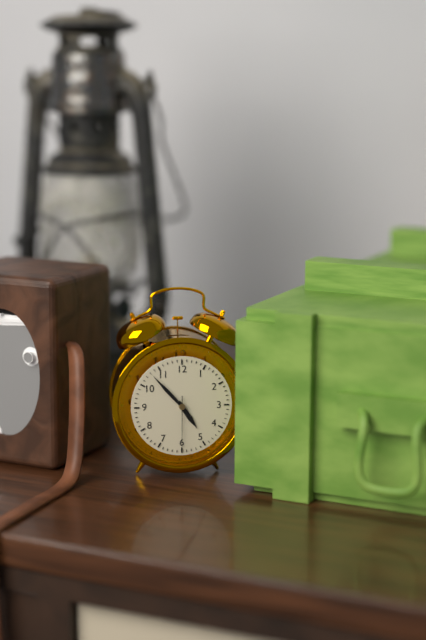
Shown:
4 h 53 min 30 s
